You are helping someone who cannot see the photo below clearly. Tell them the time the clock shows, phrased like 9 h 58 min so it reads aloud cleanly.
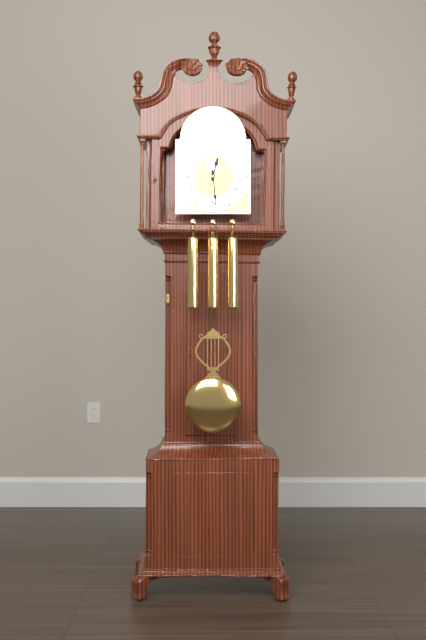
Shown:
12 h 29 min
